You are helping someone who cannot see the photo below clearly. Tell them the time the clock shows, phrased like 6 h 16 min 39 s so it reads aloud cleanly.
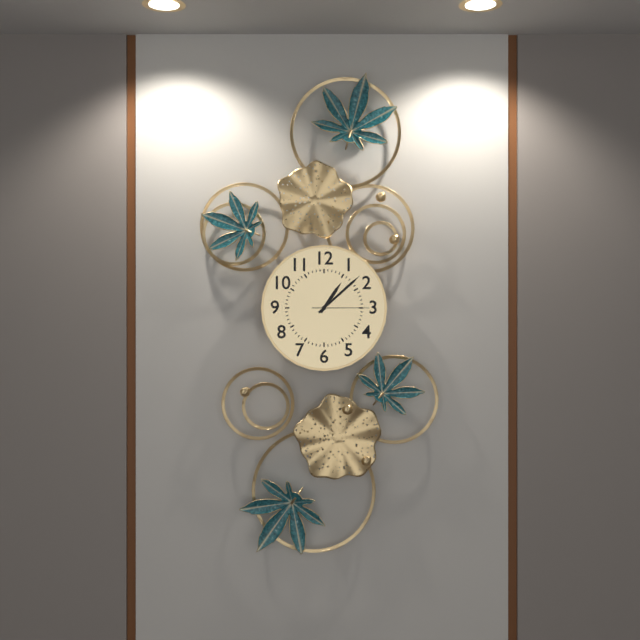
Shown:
1 h 08 min 15 s
